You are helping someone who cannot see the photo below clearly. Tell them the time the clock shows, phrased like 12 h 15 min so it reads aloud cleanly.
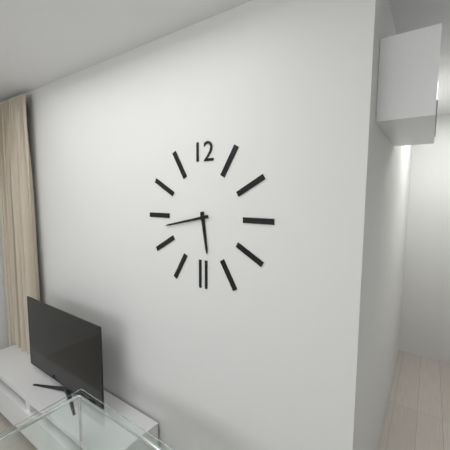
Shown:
5 h 43 min
